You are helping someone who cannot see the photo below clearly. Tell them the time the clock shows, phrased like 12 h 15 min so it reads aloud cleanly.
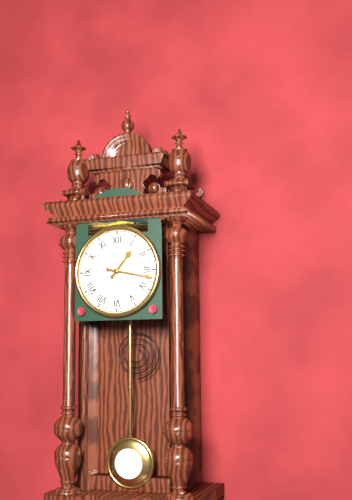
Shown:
1 h 17 min
